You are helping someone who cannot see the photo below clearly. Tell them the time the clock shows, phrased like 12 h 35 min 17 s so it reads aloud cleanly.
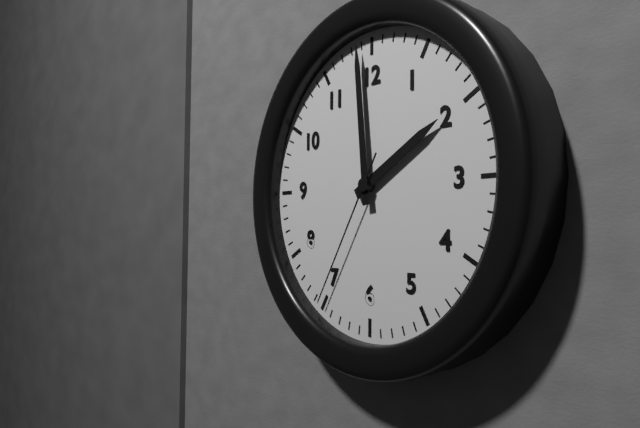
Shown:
1 h 59 min 35 s
